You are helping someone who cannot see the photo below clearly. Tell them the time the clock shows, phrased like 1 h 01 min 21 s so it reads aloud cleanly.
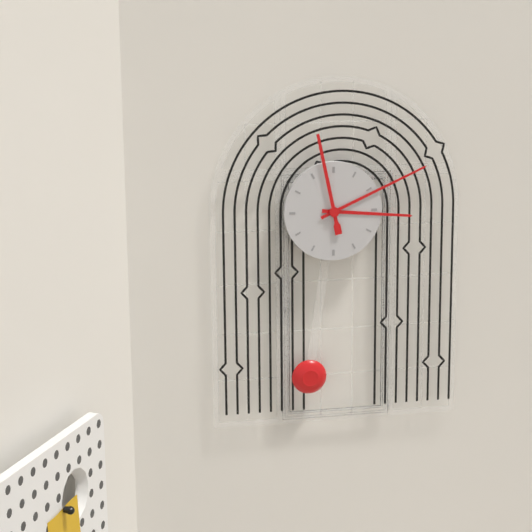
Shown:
3 h 11 min 58 s
